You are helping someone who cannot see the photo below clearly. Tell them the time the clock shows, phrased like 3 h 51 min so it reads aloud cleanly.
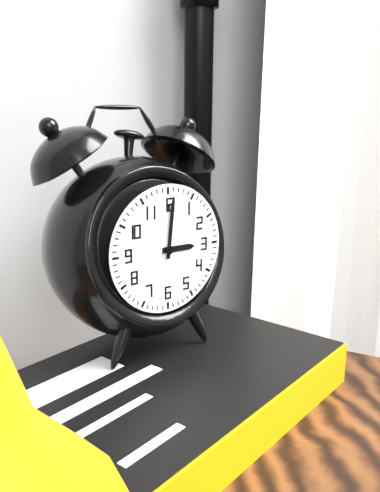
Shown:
3 h 01 min
